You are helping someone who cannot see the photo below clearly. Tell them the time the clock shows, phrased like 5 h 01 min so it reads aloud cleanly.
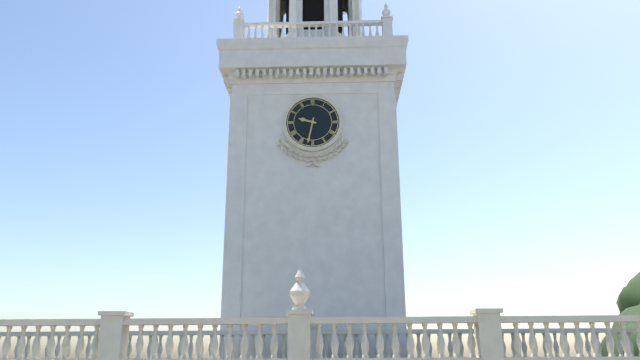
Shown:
9 h 32 min
